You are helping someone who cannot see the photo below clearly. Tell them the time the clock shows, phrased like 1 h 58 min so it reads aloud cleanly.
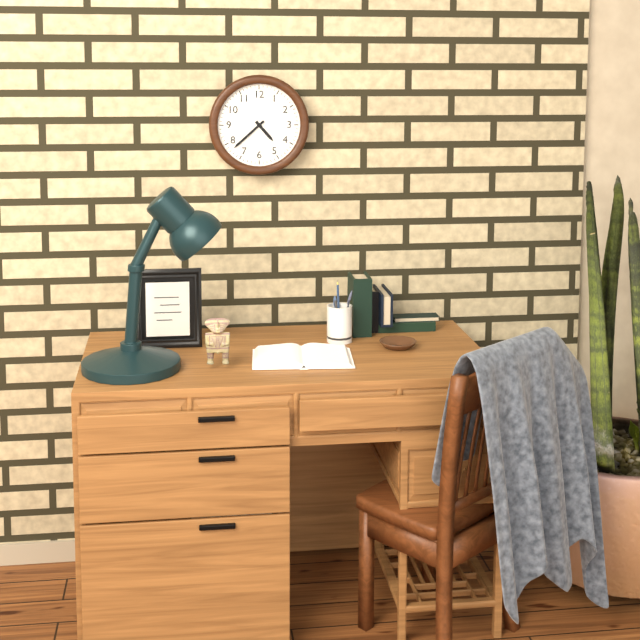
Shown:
4 h 38 min
